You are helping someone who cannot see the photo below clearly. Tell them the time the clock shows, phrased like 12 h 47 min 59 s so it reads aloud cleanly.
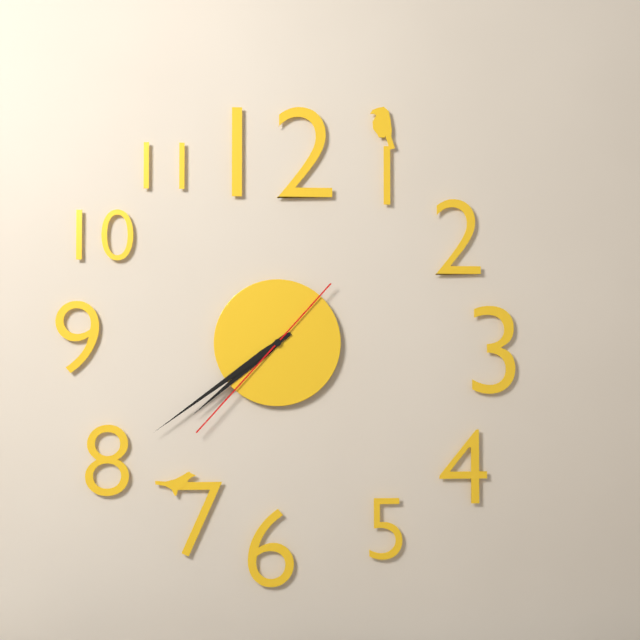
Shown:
7 h 39 min 37 s
